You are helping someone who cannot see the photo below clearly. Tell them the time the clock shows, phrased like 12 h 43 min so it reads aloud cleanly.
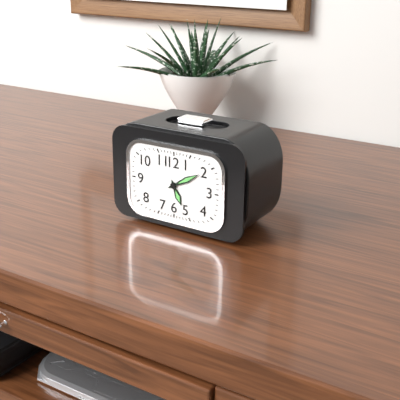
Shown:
5 h 10 min
